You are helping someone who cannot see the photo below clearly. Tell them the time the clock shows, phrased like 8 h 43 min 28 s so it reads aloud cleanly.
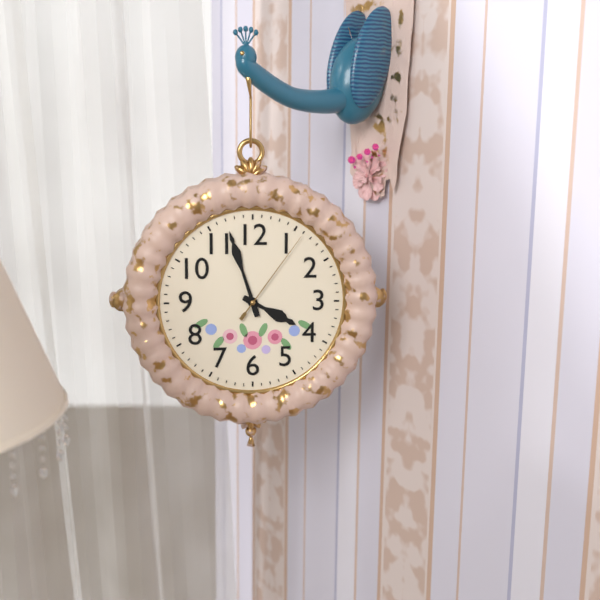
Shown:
3 h 57 min 06 s
